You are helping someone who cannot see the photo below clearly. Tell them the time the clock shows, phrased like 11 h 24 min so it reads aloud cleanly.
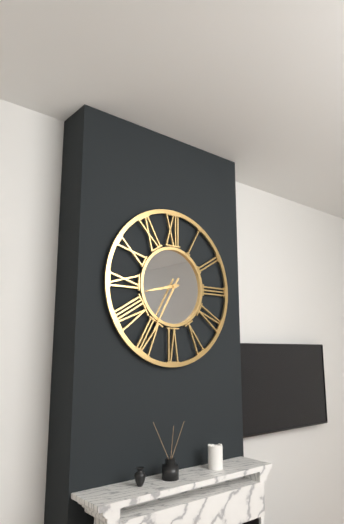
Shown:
8 h 35 min
